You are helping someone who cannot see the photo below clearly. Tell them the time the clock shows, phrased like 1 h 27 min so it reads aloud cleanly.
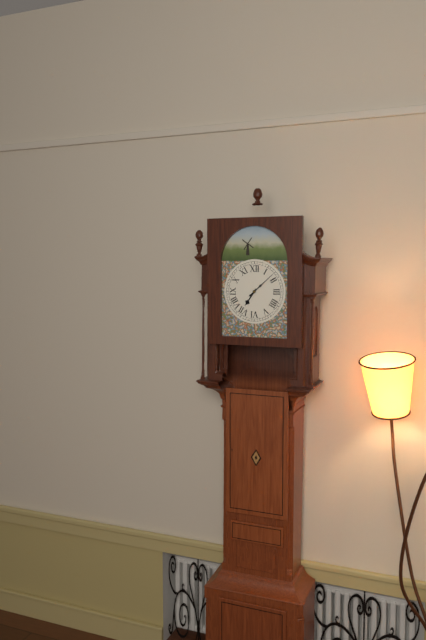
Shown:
7 h 08 min
